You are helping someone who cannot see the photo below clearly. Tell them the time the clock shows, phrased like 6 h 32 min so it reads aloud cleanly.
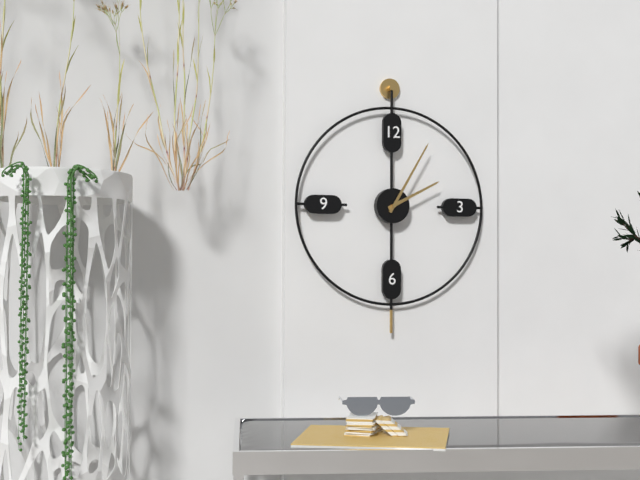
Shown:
2 h 05 min
